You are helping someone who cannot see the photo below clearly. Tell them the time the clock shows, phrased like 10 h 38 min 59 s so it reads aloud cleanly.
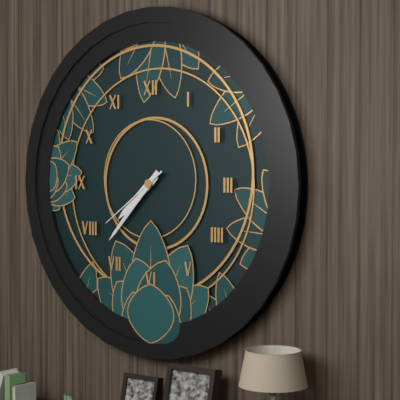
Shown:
7 h 37 min 39 s
